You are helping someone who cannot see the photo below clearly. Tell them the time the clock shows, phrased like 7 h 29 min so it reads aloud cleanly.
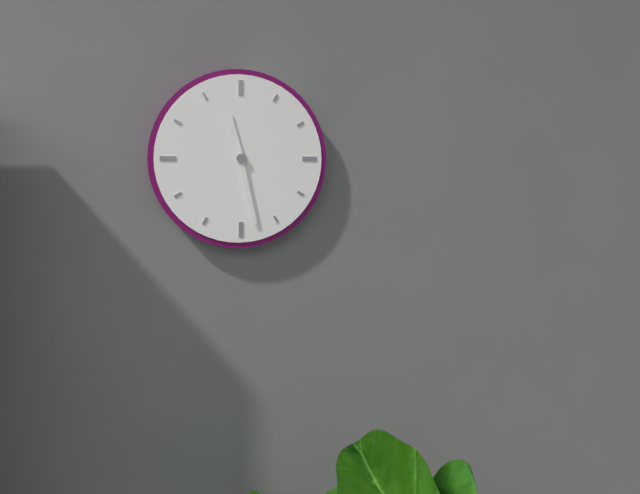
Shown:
11 h 28 min
